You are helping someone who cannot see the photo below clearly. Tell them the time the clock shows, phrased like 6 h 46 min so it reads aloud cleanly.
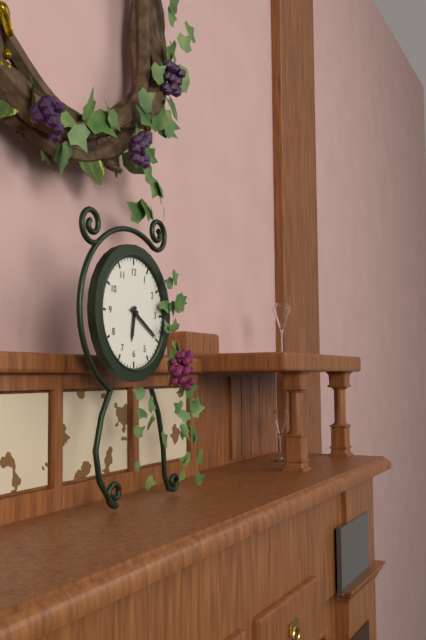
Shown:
6 h 20 min
